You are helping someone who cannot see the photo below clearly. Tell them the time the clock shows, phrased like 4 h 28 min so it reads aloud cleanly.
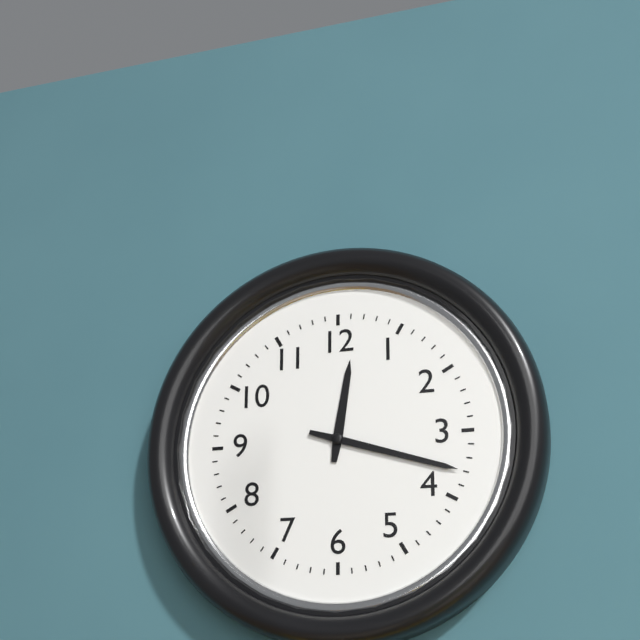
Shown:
12 h 18 min
